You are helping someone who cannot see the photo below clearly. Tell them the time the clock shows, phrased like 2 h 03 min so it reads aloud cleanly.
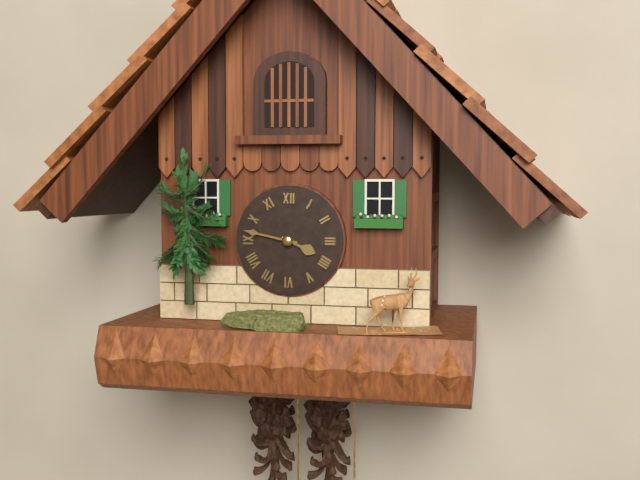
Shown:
3 h 47 min
